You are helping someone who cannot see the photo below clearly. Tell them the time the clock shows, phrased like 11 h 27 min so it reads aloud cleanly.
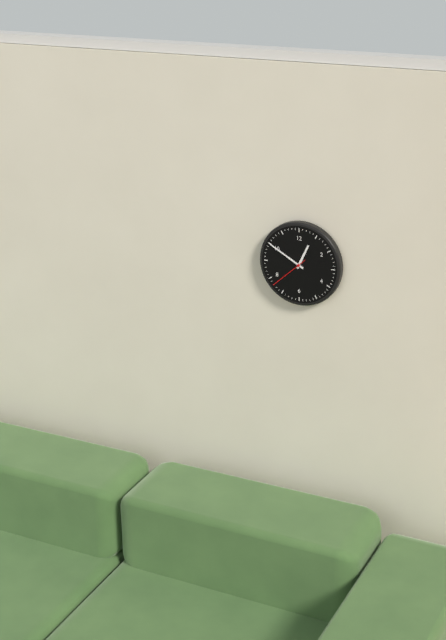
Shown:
12 h 50 min
